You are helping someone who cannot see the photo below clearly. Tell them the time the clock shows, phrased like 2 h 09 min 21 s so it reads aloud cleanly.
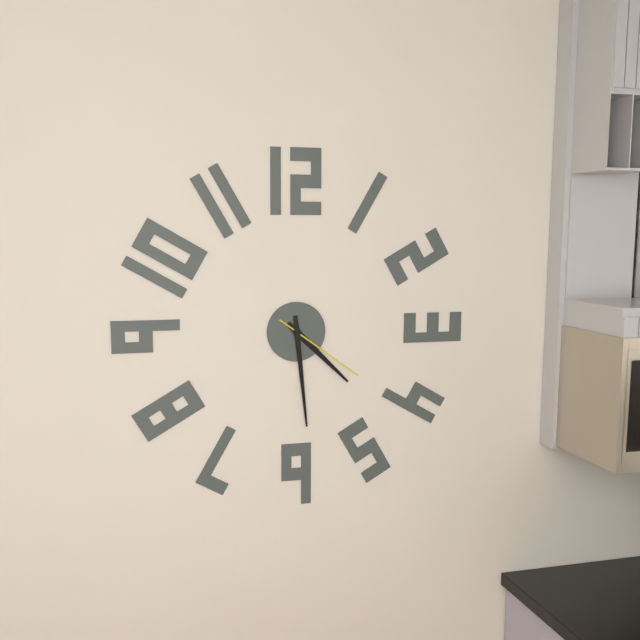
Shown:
4 h 29 min 21 s
